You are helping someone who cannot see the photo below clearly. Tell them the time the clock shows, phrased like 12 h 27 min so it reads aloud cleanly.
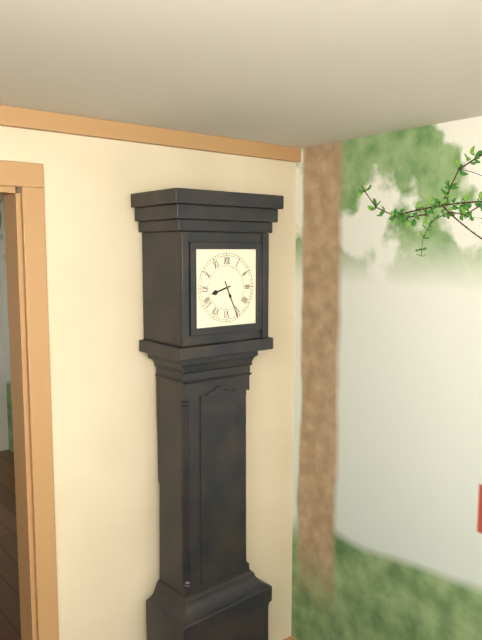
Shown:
8 h 26 min
